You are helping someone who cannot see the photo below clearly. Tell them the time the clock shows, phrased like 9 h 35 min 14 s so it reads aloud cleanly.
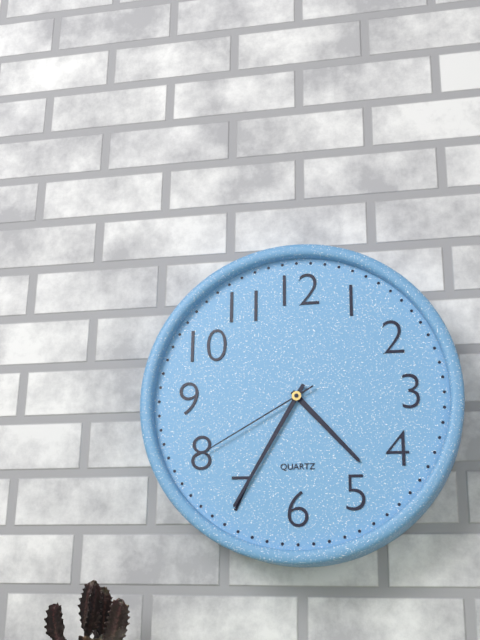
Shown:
4 h 35 min 40 s
